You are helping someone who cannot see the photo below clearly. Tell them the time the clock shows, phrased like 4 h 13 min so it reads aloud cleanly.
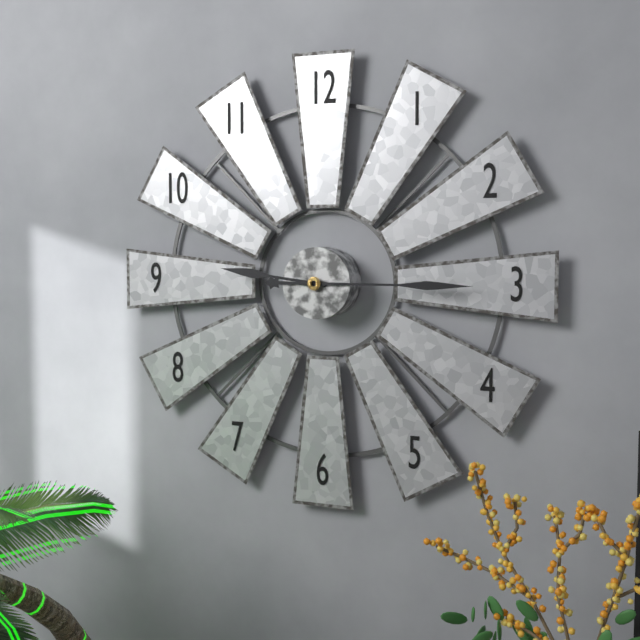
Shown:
9 h 15 min
